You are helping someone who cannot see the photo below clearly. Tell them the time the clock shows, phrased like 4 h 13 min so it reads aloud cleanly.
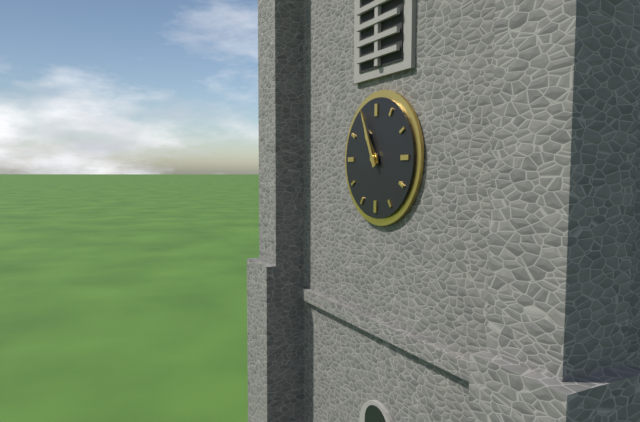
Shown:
10 h 56 min
